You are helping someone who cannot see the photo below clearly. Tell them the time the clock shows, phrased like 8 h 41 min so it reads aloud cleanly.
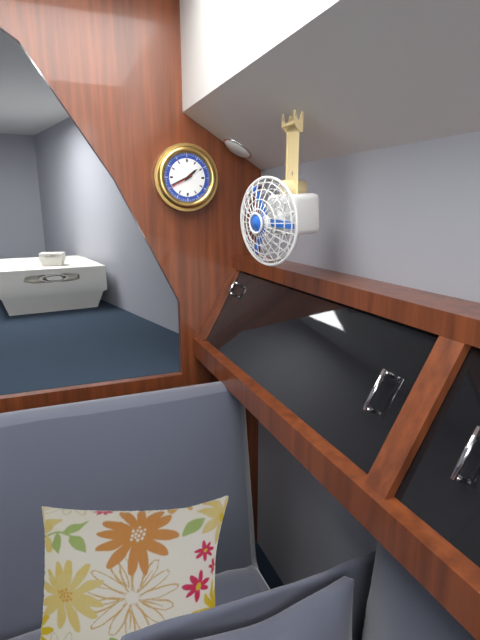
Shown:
1 h 41 min
